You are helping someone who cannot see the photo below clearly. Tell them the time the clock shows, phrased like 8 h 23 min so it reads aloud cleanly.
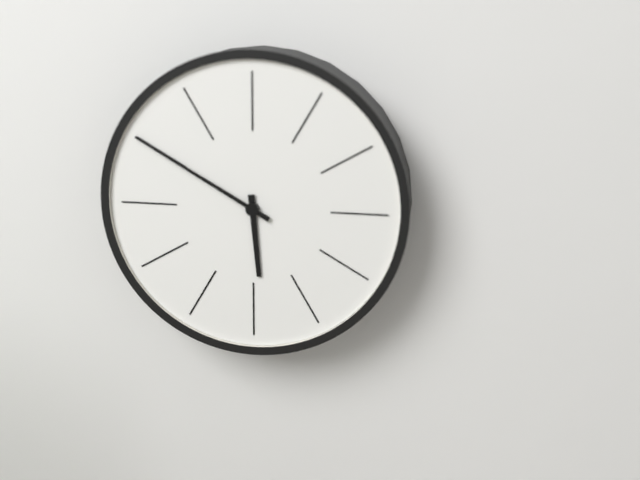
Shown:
5 h 50 min
